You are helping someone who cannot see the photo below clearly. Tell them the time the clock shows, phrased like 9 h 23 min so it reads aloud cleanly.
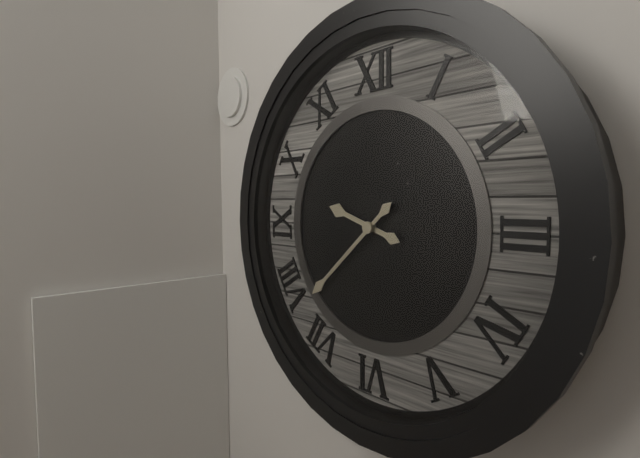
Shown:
9 h 38 min
